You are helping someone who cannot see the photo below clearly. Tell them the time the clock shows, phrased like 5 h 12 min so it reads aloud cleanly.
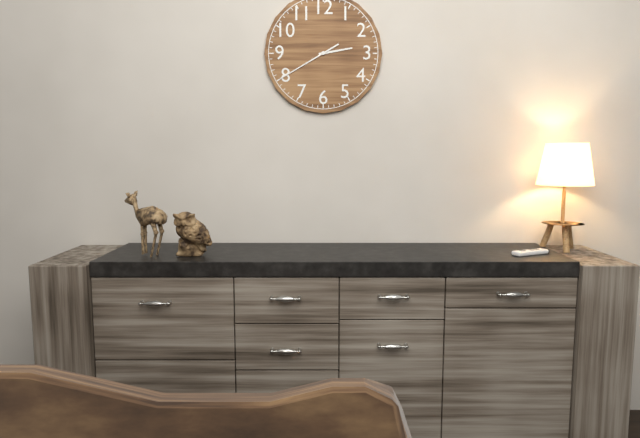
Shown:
2 h 40 min
